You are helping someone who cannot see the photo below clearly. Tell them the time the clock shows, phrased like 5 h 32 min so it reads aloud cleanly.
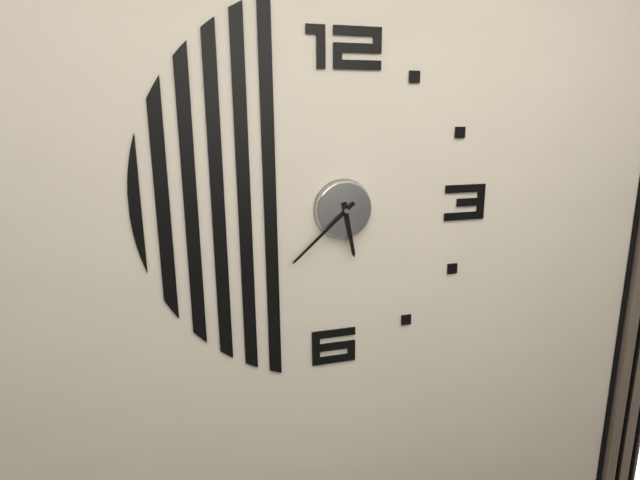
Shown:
5 h 38 min
